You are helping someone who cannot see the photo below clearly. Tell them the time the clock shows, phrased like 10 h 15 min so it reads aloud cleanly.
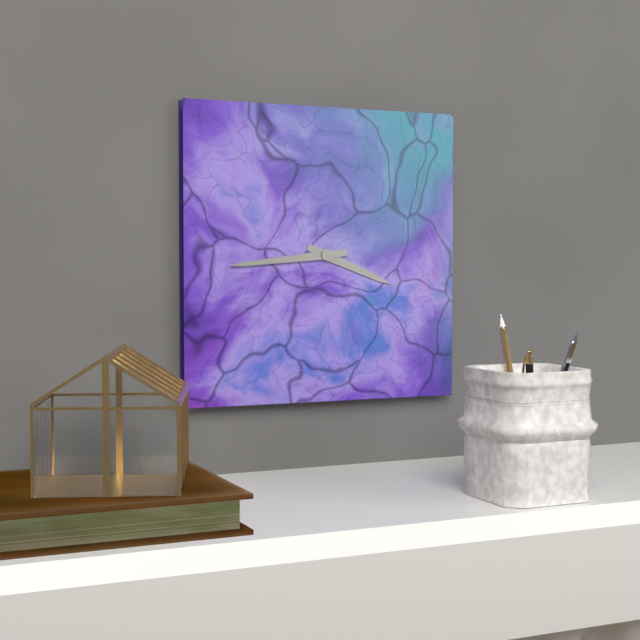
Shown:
3 h 44 min
